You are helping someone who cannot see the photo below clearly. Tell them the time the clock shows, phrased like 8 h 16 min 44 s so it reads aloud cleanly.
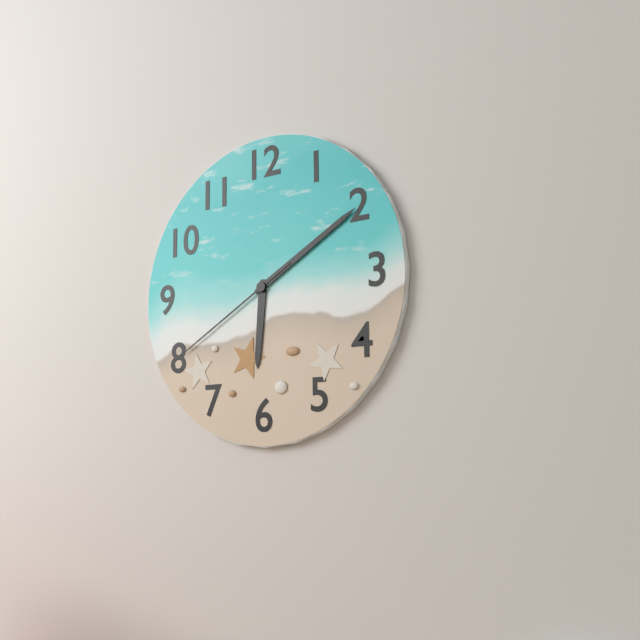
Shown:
6 h 10 min 40 s
